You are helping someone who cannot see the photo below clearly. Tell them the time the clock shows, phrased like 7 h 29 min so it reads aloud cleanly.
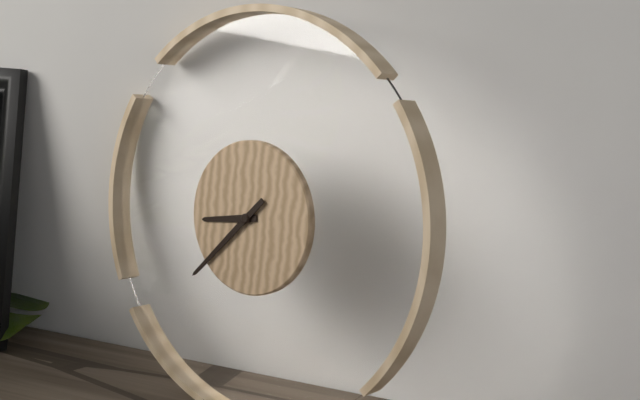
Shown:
8 h 37 min
